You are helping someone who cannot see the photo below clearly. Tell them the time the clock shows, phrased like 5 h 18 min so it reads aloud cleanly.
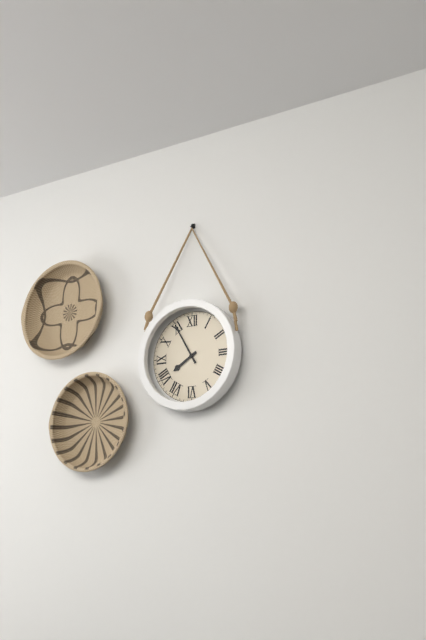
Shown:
7 h 55 min
